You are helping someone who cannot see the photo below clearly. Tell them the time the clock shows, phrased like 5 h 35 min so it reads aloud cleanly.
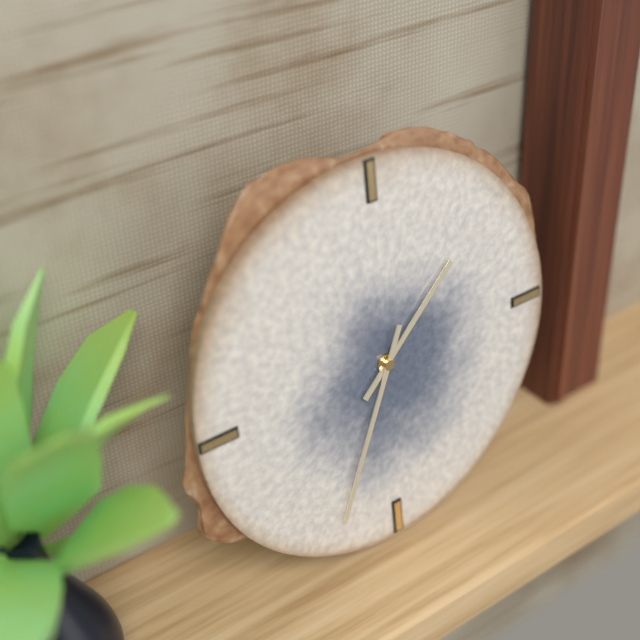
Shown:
1 h 34 min
